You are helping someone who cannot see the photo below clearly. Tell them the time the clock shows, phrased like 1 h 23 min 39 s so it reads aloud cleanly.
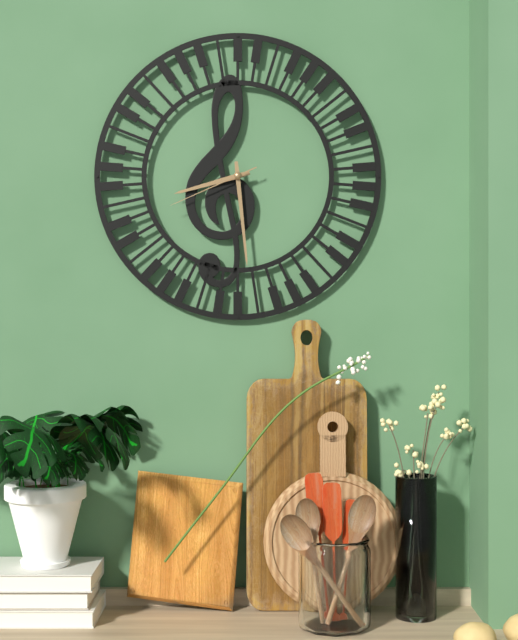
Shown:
8 h 29 min 41 s
